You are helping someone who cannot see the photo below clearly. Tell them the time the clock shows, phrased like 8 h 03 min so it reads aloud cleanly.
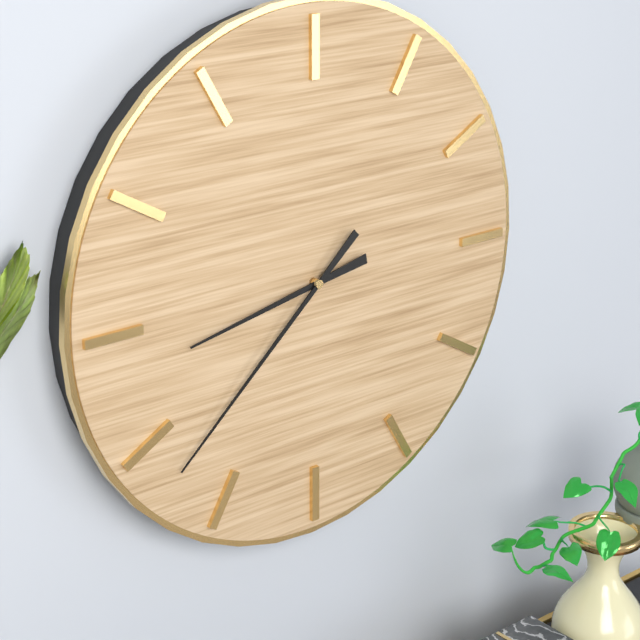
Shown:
8 h 38 min
